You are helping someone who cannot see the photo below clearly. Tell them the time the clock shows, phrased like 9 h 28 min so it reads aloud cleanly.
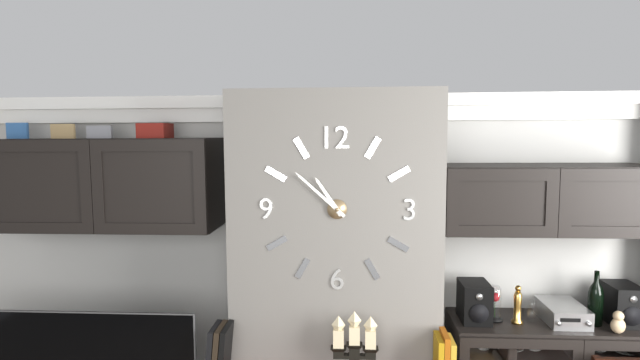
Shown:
10 h 52 min
